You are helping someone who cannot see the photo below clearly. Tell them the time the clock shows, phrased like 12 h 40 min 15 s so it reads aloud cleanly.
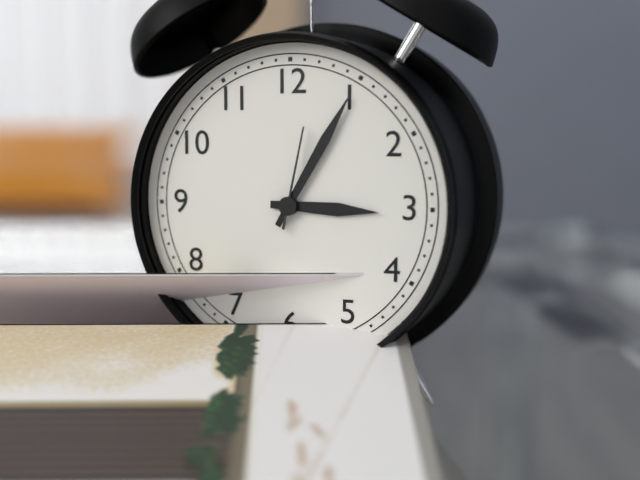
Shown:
3 h 05 min 02 s
